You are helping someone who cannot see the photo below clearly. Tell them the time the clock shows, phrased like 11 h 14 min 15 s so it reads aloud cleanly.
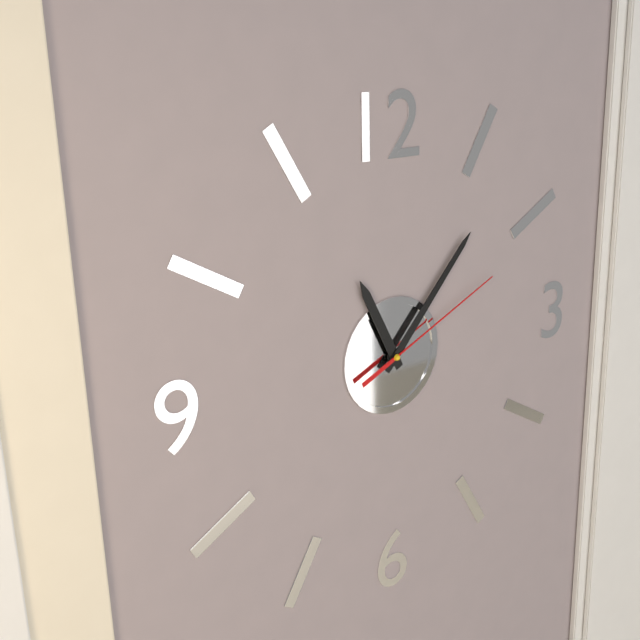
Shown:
11 h 07 min 11 s
